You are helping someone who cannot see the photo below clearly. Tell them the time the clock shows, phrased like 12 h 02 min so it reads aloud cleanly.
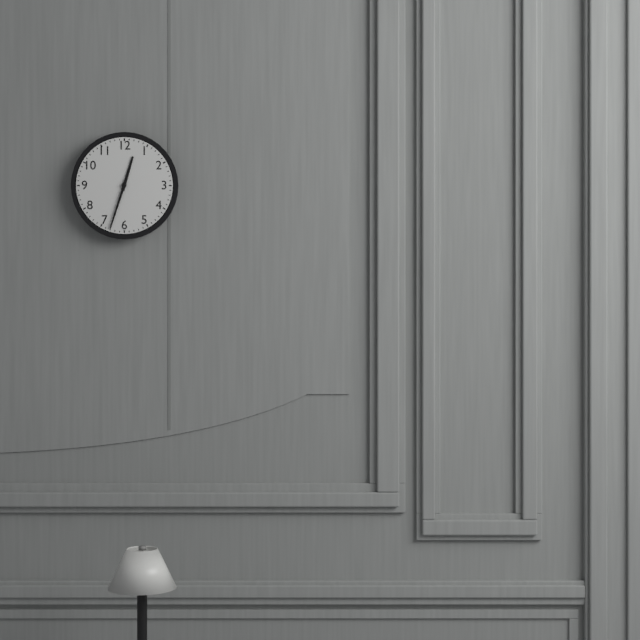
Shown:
12 h 33 min
